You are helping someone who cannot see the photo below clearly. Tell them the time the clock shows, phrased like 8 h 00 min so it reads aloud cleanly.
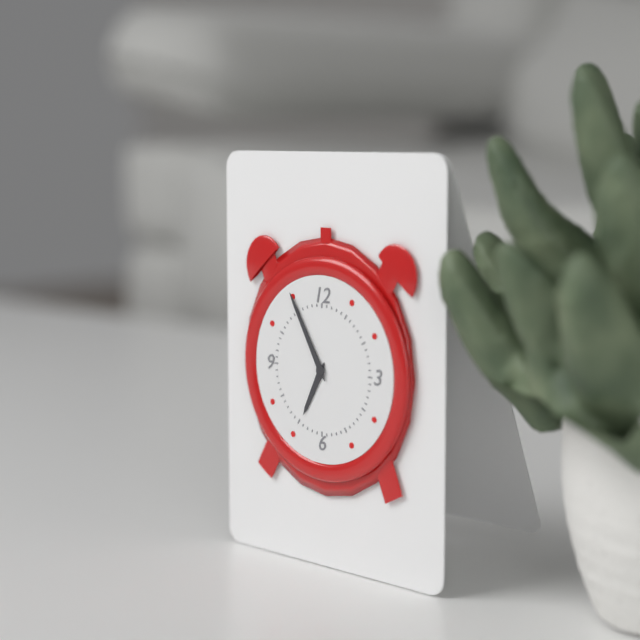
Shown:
6 h 55 min
